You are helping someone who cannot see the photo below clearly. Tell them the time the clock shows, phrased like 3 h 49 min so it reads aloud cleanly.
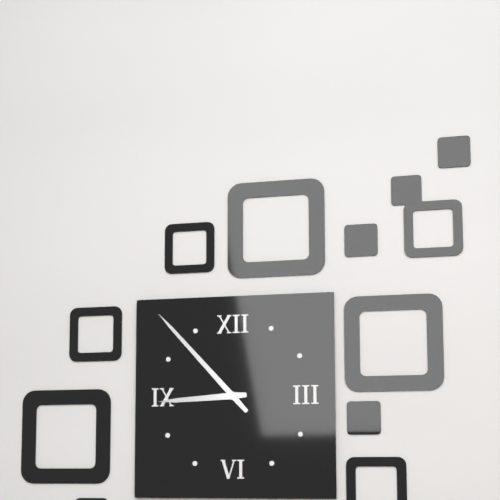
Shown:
8 h 53 min
